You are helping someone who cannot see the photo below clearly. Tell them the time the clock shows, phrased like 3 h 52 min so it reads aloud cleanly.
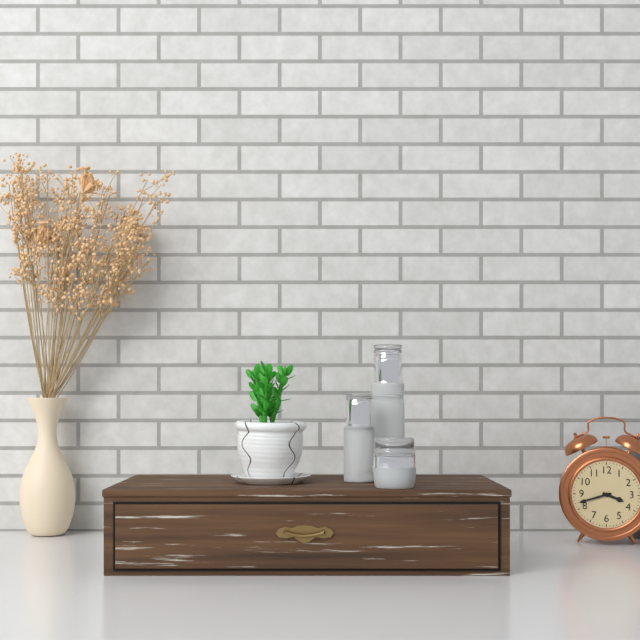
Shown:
3 h 42 min
